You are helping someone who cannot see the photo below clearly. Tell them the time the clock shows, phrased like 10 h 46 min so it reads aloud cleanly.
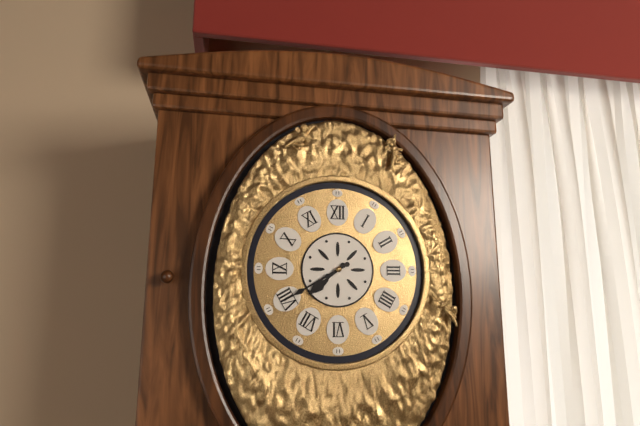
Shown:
7 h 40 min
